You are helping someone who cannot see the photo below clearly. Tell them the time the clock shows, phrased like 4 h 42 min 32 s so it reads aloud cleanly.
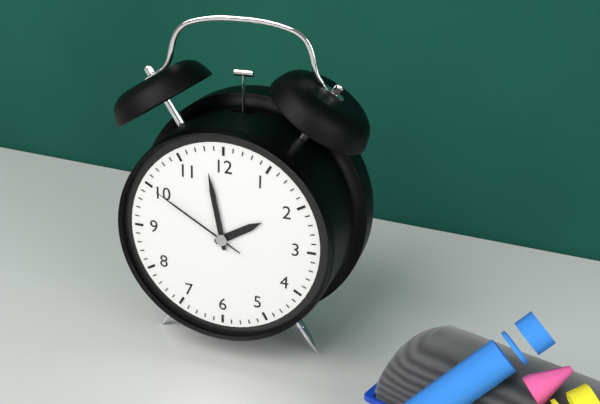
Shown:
1 h 58 min 50 s
